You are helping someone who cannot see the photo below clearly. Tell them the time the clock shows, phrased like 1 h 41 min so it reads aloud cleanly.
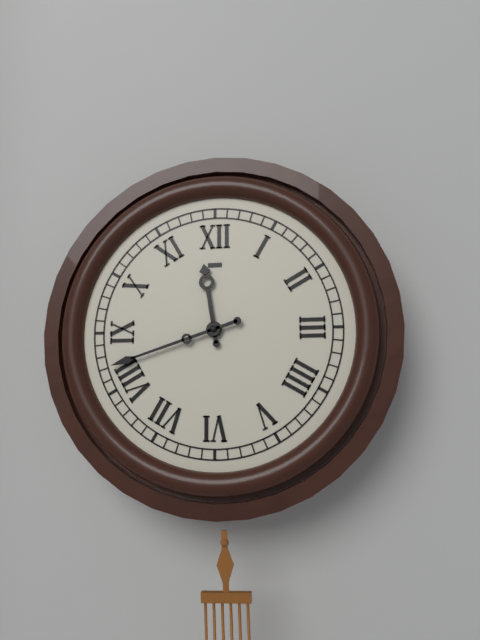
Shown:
11 h 42 min
